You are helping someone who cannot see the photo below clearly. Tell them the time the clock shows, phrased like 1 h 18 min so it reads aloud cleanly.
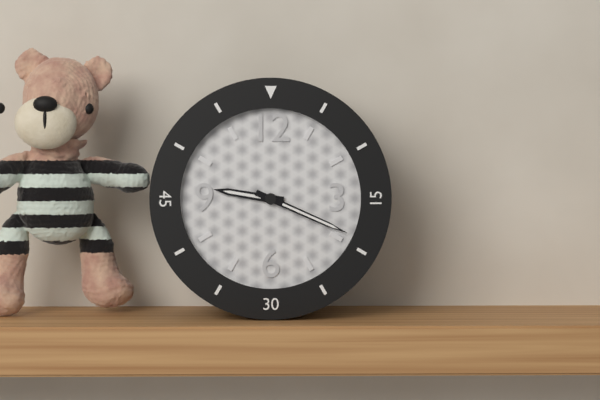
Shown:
9 h 19 min
